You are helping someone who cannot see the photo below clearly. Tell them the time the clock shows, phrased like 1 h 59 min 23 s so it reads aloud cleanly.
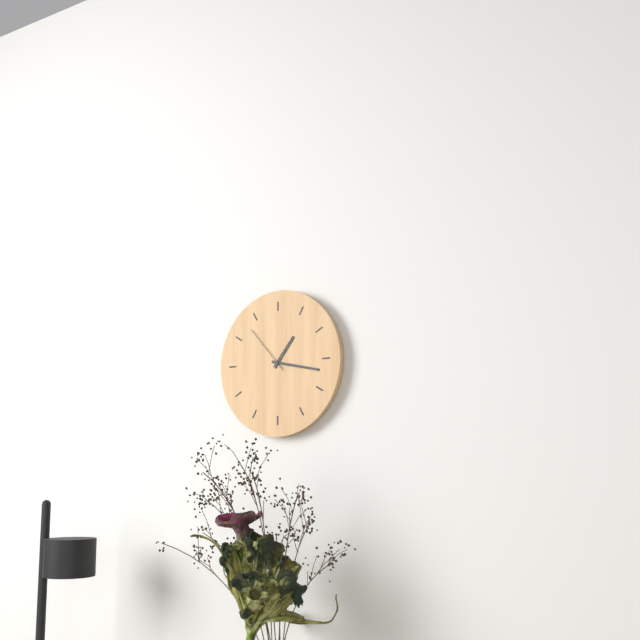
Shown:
1 h 17 min 53 s
